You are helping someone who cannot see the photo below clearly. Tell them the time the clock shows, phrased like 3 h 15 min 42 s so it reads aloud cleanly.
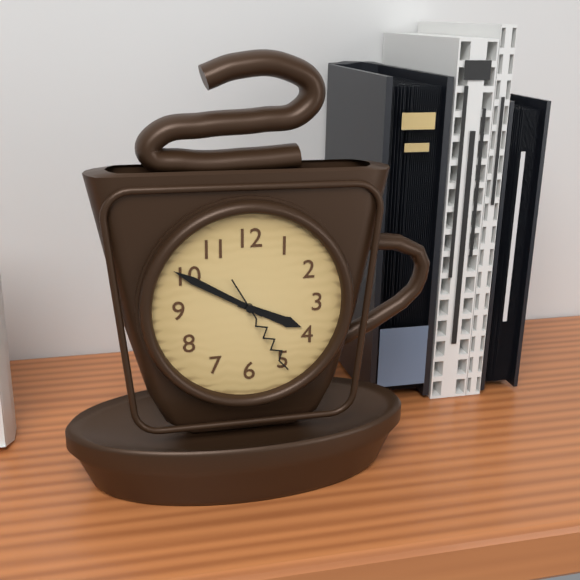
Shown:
3 h 50 min 25 s
